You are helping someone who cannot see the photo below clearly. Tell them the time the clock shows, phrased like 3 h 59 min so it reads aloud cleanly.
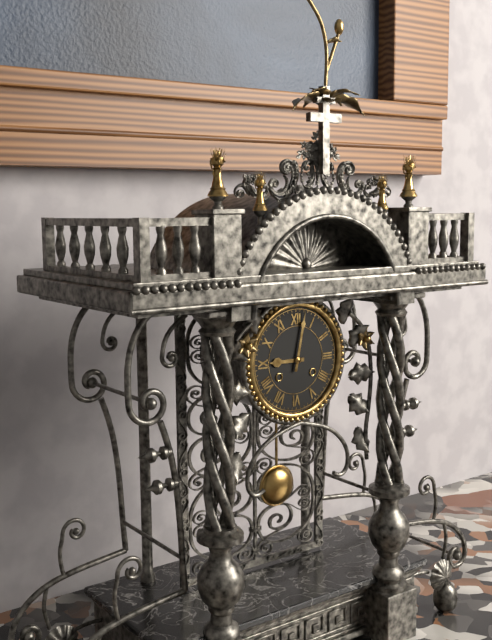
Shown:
9 h 02 min
